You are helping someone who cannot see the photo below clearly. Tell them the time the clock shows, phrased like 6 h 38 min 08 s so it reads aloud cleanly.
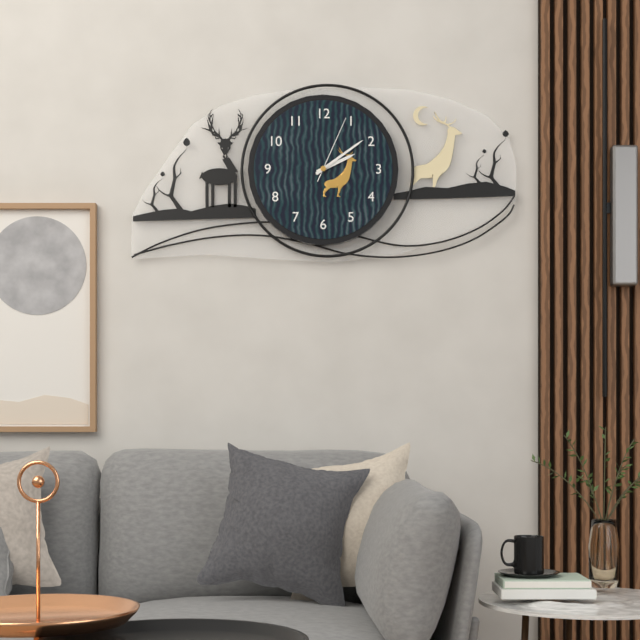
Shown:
2 h 09 min 04 s
